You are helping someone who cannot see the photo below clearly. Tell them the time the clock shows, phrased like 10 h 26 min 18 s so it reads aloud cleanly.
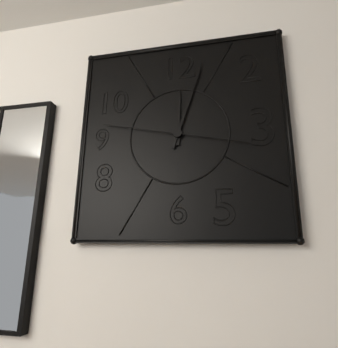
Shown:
12 h 03 min 47 s
